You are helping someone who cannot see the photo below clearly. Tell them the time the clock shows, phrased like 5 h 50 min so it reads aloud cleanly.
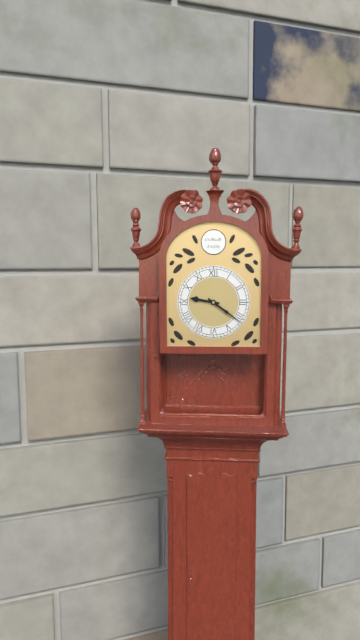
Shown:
9 h 21 min
